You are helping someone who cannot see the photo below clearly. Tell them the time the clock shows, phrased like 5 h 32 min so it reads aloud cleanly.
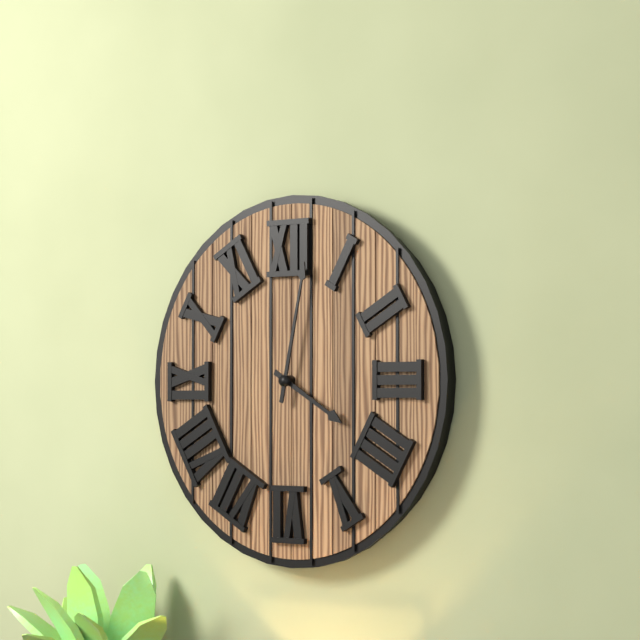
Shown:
4 h 02 min
